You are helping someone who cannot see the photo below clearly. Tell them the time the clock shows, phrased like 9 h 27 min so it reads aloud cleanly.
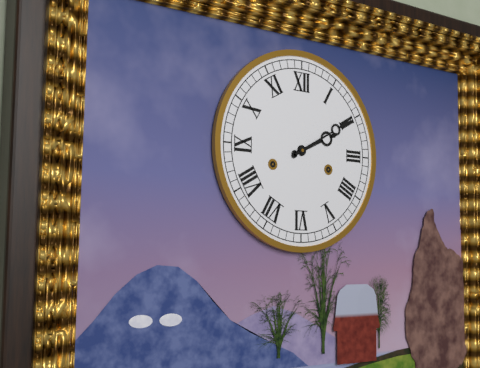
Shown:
2 h 10 min
